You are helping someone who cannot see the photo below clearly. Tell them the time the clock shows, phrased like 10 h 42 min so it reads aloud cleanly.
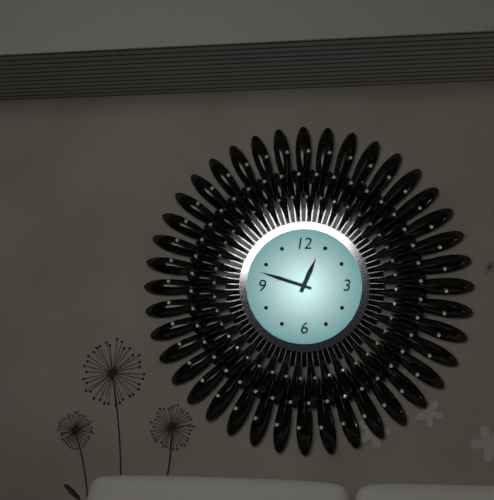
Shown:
12 h 48 min
